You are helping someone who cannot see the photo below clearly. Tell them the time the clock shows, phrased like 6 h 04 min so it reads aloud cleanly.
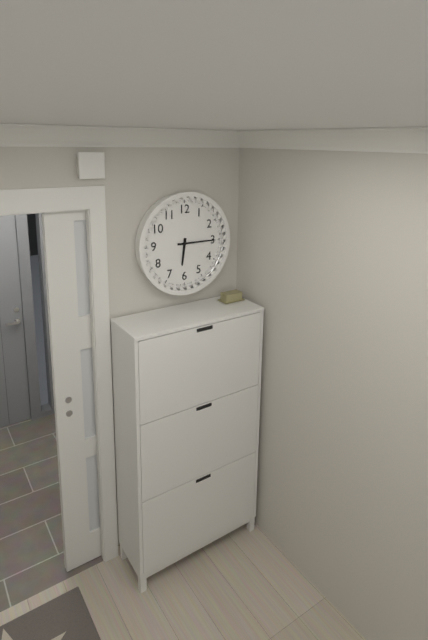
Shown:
6 h 15 min
